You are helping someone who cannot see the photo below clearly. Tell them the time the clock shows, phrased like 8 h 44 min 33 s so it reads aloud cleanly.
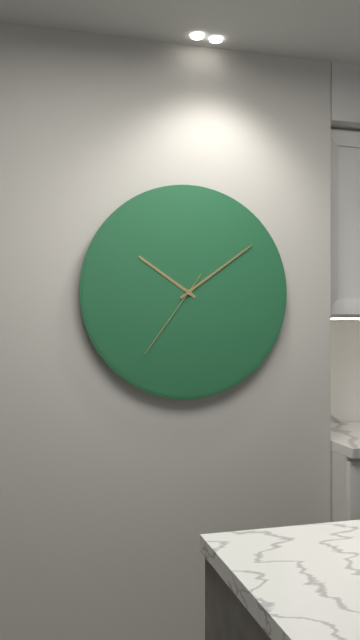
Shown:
10 h 09 min 36 s
